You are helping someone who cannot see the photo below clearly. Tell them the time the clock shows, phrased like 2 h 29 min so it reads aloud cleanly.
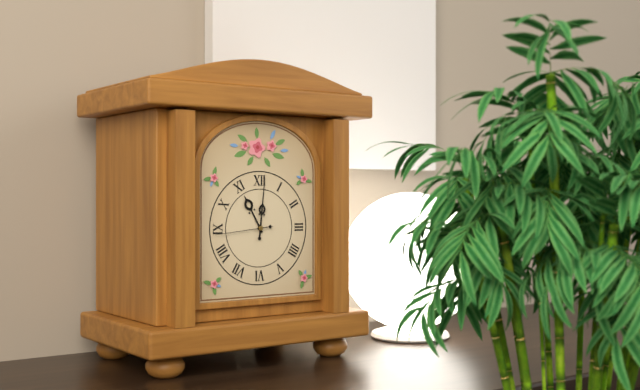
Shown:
11 h 01 min
